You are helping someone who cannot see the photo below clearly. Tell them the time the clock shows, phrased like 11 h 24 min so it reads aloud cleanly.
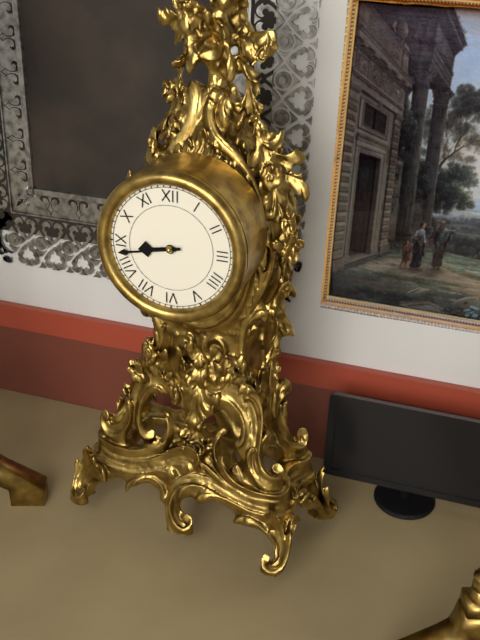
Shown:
8 h 43 min
